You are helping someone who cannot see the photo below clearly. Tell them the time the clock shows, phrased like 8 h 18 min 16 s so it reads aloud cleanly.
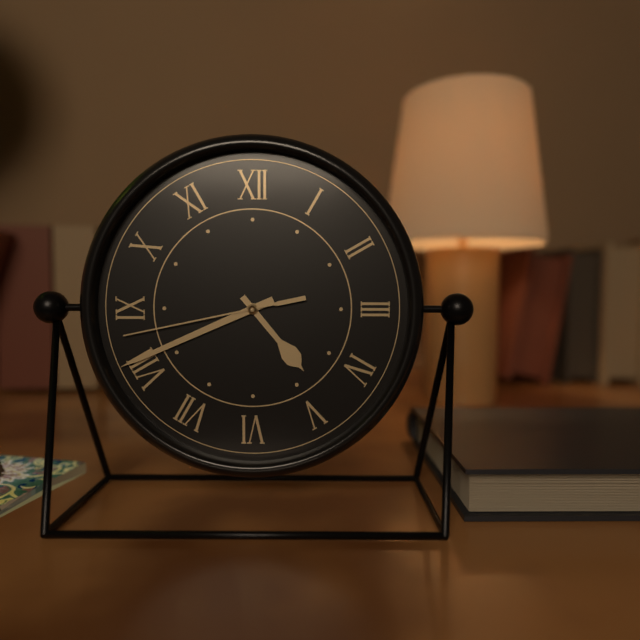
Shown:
4 h 41 min 43 s
